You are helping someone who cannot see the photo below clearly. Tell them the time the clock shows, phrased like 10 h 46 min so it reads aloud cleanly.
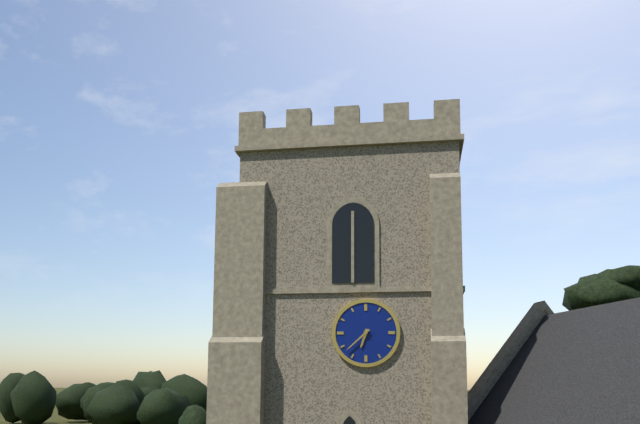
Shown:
6 h 38 min
